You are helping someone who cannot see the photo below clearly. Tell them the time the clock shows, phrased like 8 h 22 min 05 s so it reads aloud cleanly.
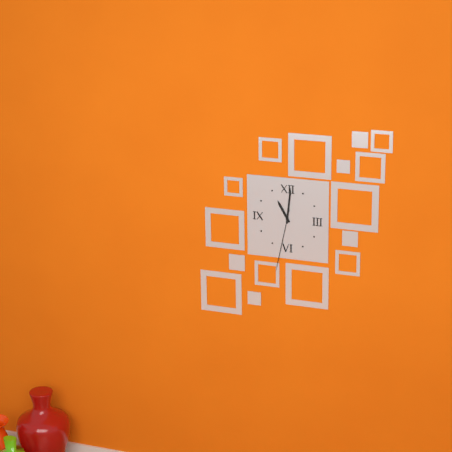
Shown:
11 h 01 min 32 s
